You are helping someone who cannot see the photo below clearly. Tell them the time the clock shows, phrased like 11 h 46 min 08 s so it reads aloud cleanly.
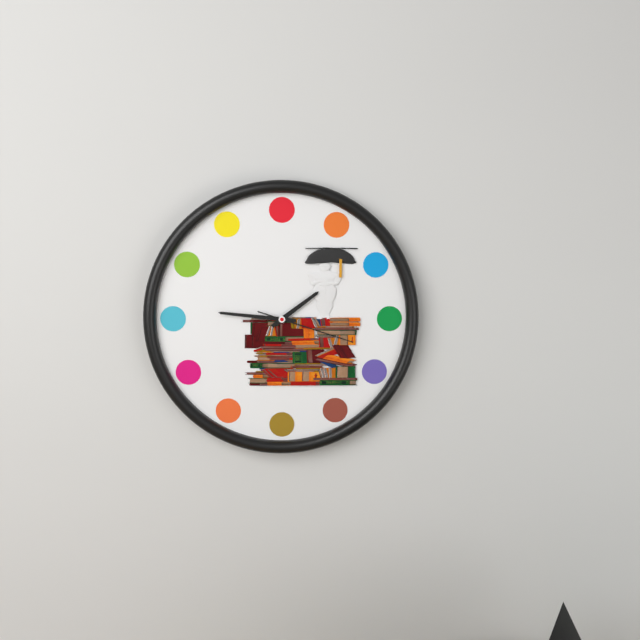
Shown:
1 h 46 min 18 s
